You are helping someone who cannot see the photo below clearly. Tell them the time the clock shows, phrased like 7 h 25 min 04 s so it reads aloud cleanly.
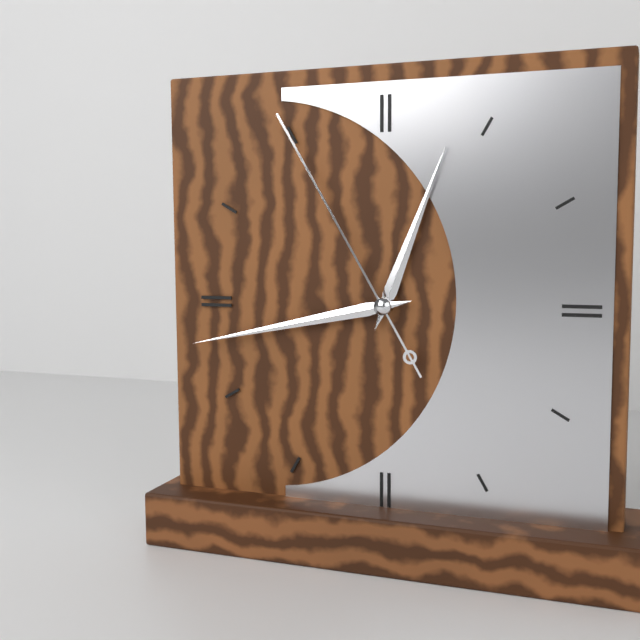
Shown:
12 h 43 min 55 s
